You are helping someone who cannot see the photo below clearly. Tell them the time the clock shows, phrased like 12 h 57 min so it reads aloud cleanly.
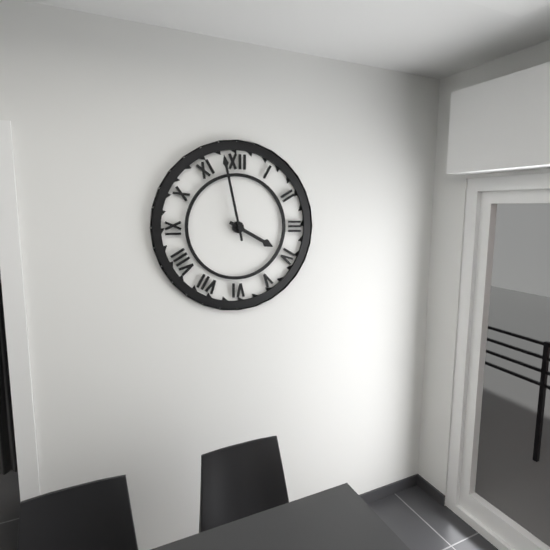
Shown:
3 h 58 min
